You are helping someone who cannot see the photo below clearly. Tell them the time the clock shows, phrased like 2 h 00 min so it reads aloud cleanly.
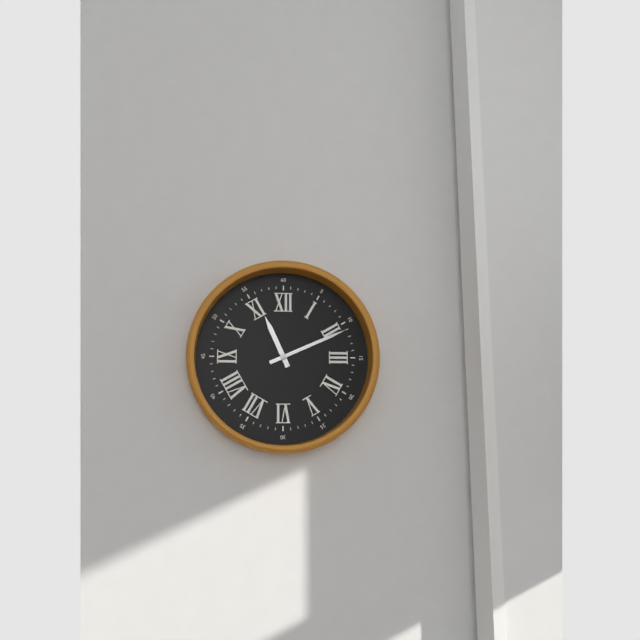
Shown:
11 h 11 min
